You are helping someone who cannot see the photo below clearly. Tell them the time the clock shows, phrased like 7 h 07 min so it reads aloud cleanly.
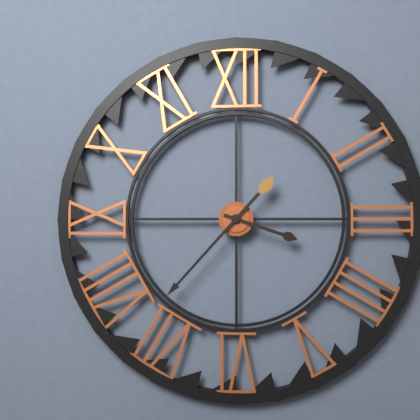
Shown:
3 h 37 min
